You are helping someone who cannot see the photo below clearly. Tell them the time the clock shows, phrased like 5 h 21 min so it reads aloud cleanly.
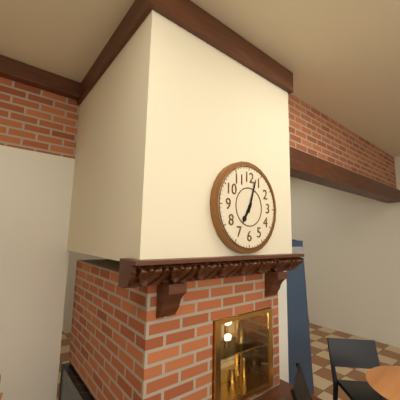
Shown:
7 h 03 min
